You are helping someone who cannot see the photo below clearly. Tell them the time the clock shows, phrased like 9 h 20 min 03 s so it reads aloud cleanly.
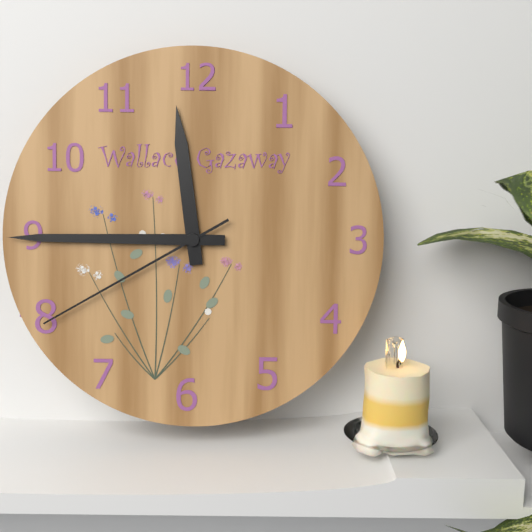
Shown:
11 h 45 min 40 s
